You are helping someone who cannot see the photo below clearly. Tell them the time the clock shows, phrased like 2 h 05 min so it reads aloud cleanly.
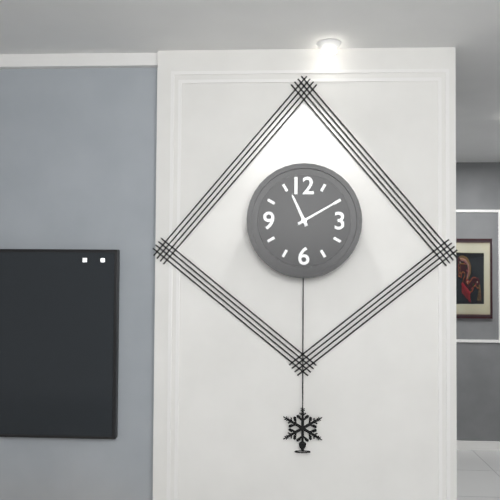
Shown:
11 h 10 min
